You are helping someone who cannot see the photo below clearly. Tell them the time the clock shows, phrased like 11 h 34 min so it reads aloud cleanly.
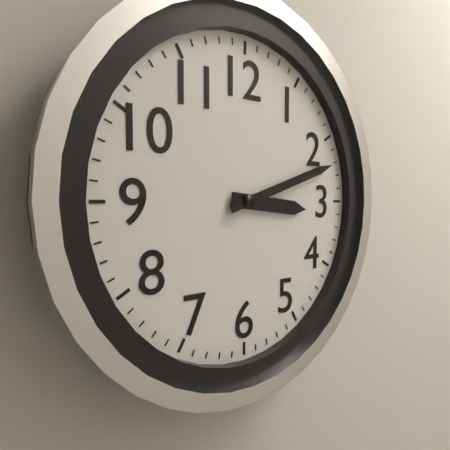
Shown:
3 h 12 min
